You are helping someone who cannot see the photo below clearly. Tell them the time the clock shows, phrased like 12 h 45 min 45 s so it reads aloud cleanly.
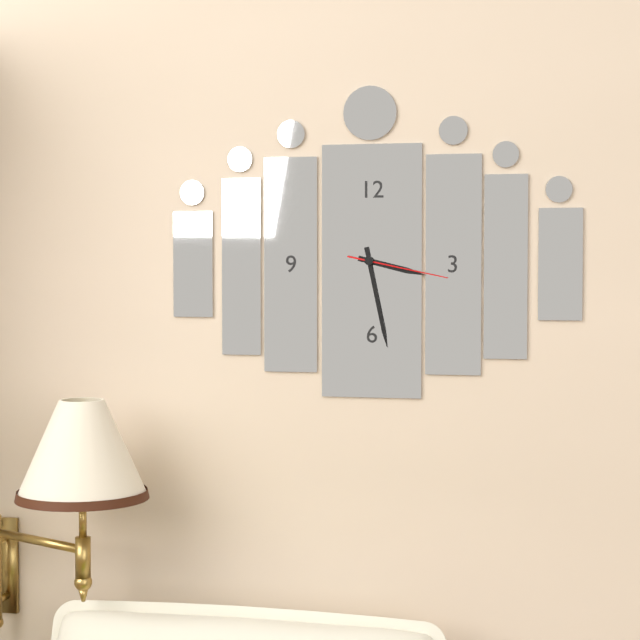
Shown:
3 h 28 min 17 s
